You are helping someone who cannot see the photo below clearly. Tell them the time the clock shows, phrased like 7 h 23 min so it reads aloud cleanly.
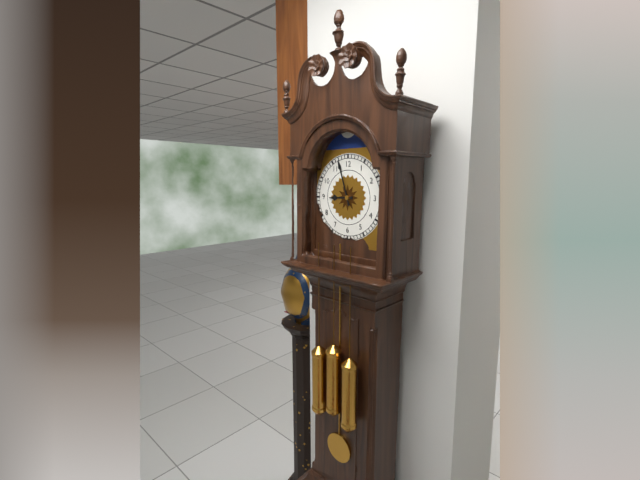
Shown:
8 h 57 min
